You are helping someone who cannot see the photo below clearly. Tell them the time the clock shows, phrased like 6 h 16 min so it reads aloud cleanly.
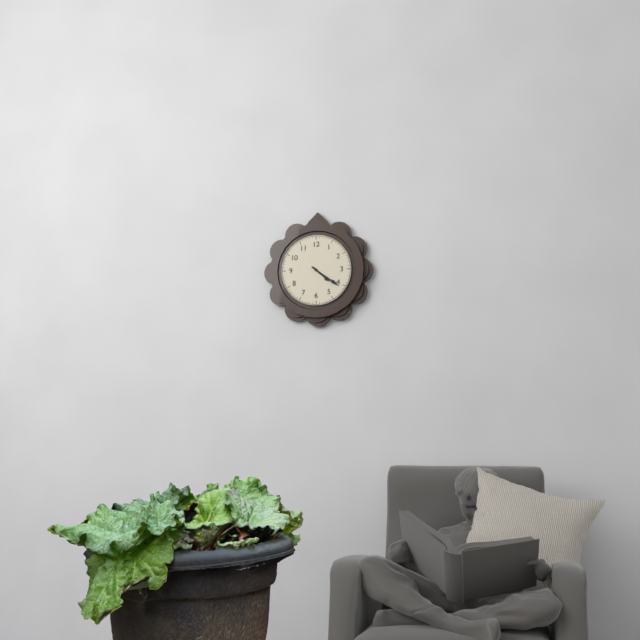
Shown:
4 h 21 min
